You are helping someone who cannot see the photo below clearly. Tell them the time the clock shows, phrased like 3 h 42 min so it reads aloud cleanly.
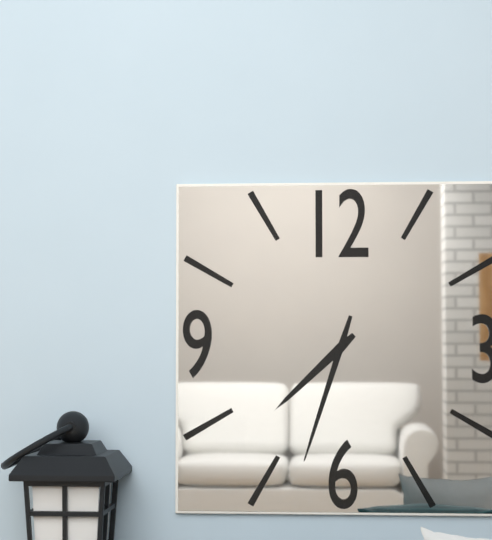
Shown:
7 h 33 min
